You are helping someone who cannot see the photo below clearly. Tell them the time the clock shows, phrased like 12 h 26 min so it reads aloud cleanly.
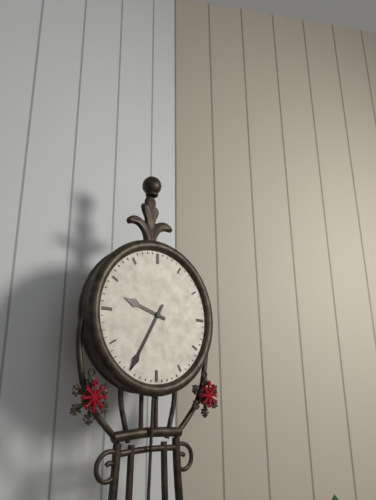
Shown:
9 h 35 min
